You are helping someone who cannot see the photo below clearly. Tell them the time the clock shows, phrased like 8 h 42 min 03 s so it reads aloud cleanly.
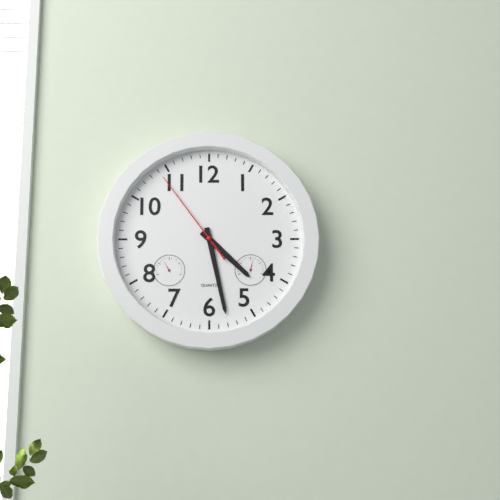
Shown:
4 h 28 min 54 s
